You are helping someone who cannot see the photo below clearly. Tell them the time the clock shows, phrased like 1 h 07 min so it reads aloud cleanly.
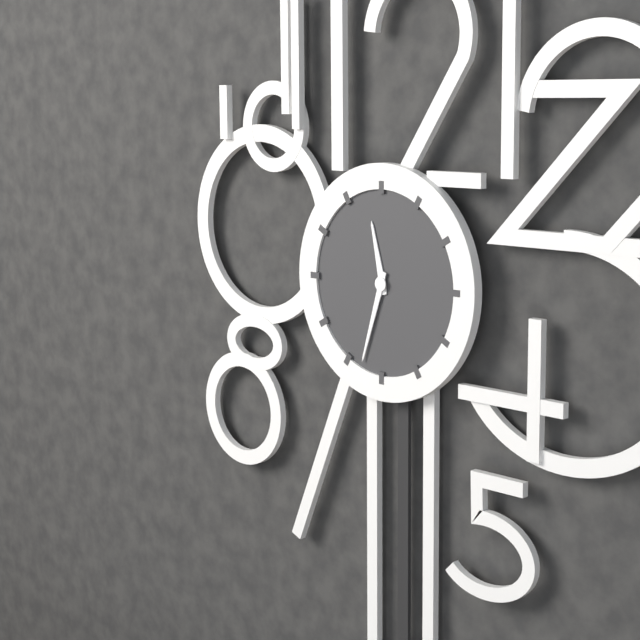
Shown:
11 h 33 min
